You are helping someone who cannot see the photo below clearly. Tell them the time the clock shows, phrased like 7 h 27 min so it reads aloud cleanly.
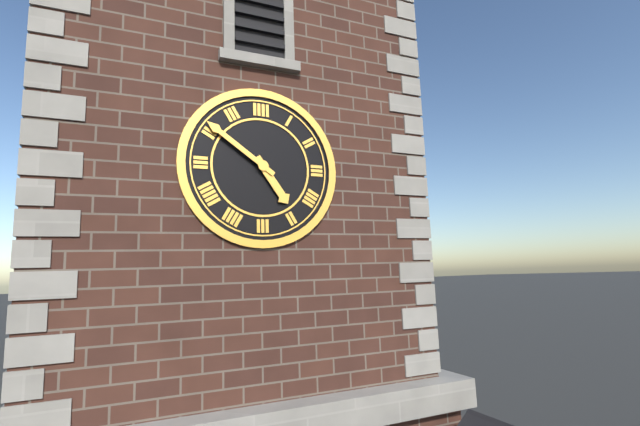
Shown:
4 h 51 min
